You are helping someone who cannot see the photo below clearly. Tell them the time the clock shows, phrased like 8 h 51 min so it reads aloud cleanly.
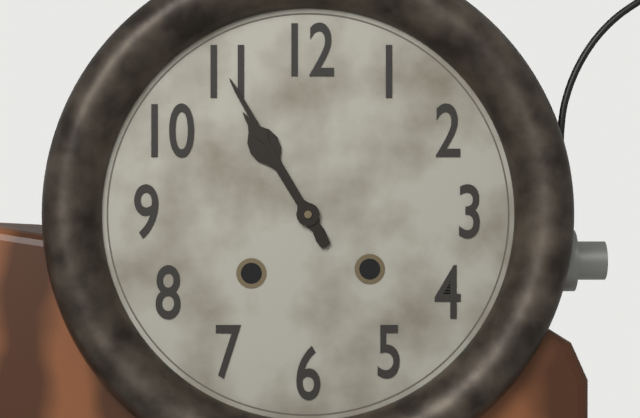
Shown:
10 h 55 min
